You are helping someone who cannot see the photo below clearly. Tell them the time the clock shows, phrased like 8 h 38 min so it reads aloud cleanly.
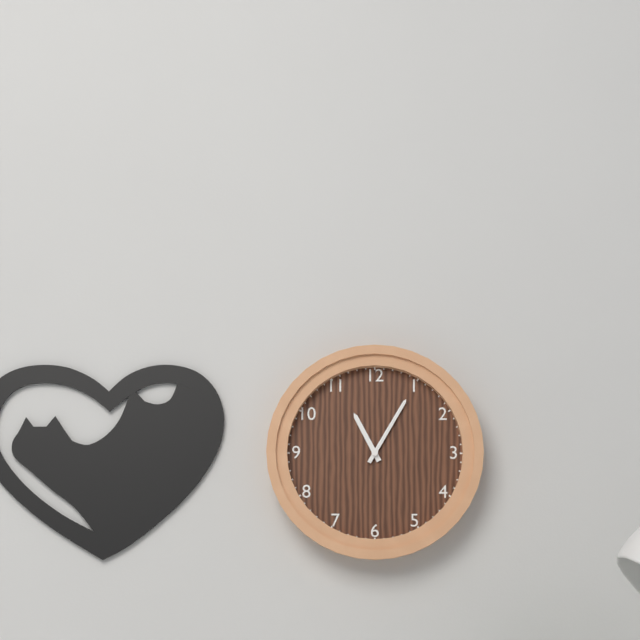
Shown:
11 h 05 min
